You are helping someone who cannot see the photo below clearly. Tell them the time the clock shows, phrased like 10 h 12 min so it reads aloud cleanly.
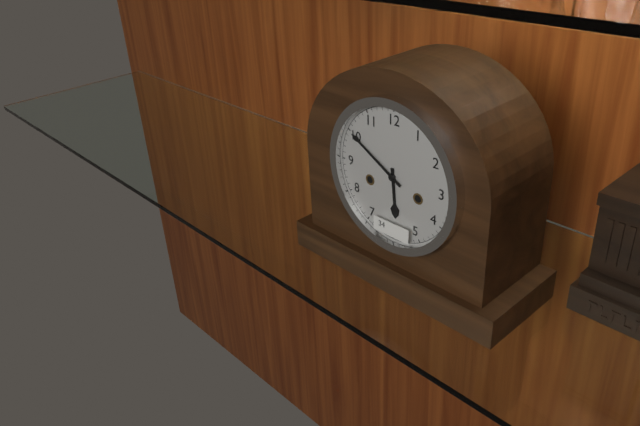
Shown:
5 h 50 min
